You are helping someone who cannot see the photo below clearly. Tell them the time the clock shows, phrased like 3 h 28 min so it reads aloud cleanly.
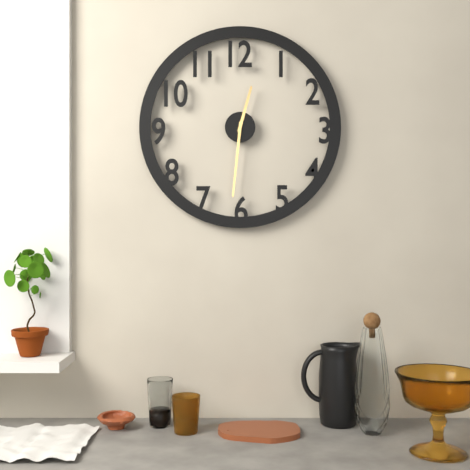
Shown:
12 h 31 min
